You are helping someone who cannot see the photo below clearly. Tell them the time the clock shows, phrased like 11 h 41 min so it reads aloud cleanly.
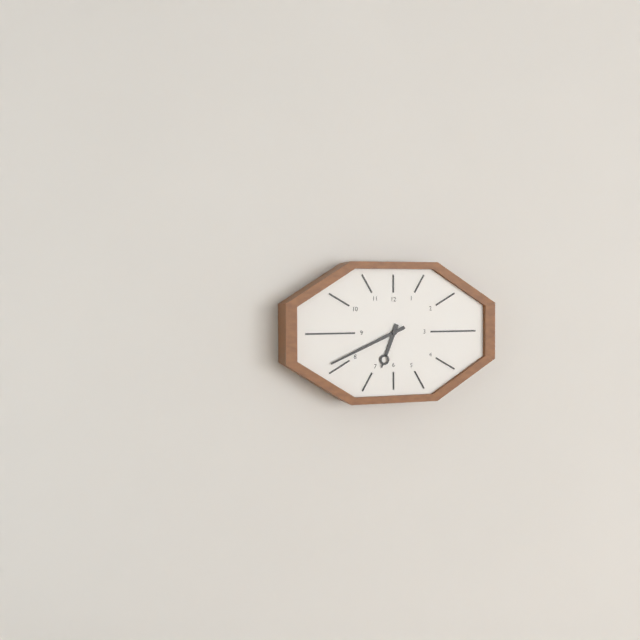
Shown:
6 h 41 min
